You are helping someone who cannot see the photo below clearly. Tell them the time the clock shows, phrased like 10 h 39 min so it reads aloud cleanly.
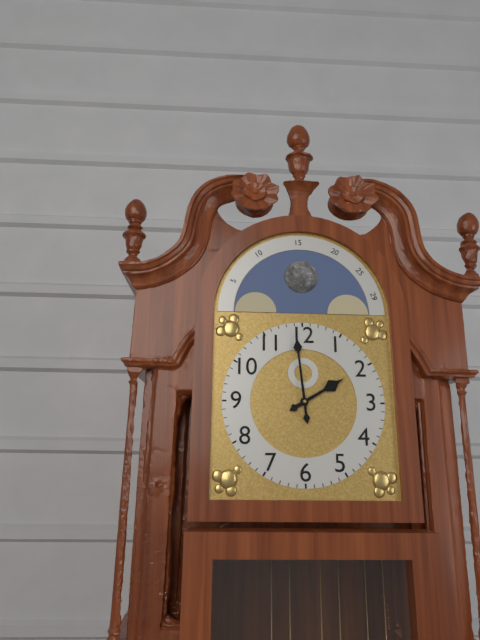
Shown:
1 h 59 min
